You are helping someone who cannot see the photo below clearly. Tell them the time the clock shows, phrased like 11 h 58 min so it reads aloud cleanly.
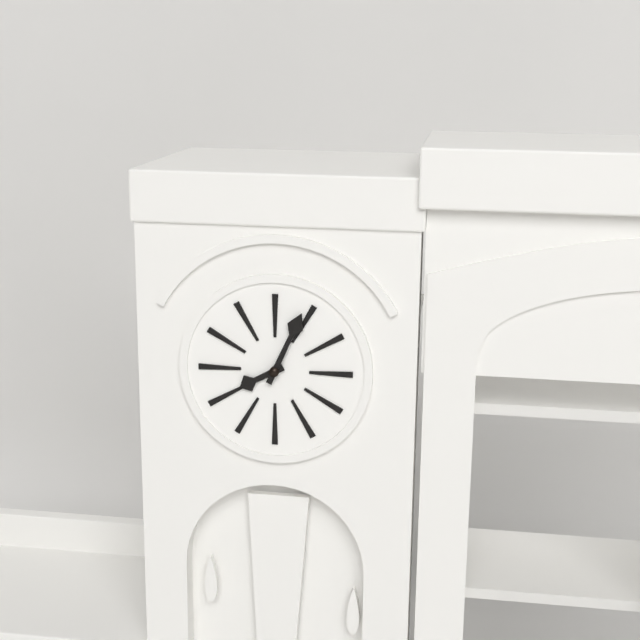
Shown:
8 h 04 min
